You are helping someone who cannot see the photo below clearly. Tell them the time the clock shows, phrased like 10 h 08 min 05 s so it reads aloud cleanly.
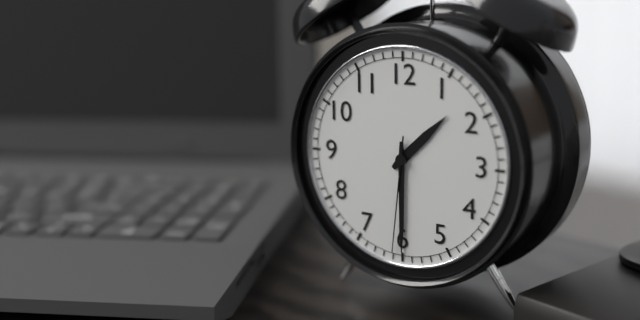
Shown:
1 h 30 min 31 s
